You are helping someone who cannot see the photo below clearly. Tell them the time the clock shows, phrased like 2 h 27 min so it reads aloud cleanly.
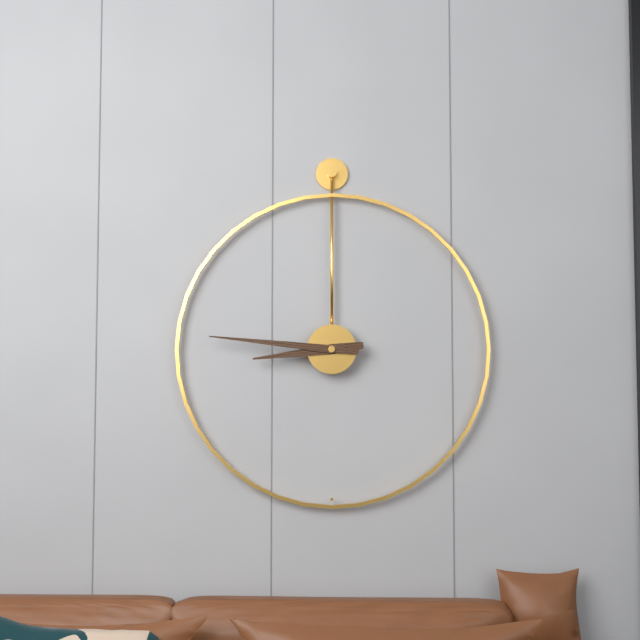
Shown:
8 h 46 min
